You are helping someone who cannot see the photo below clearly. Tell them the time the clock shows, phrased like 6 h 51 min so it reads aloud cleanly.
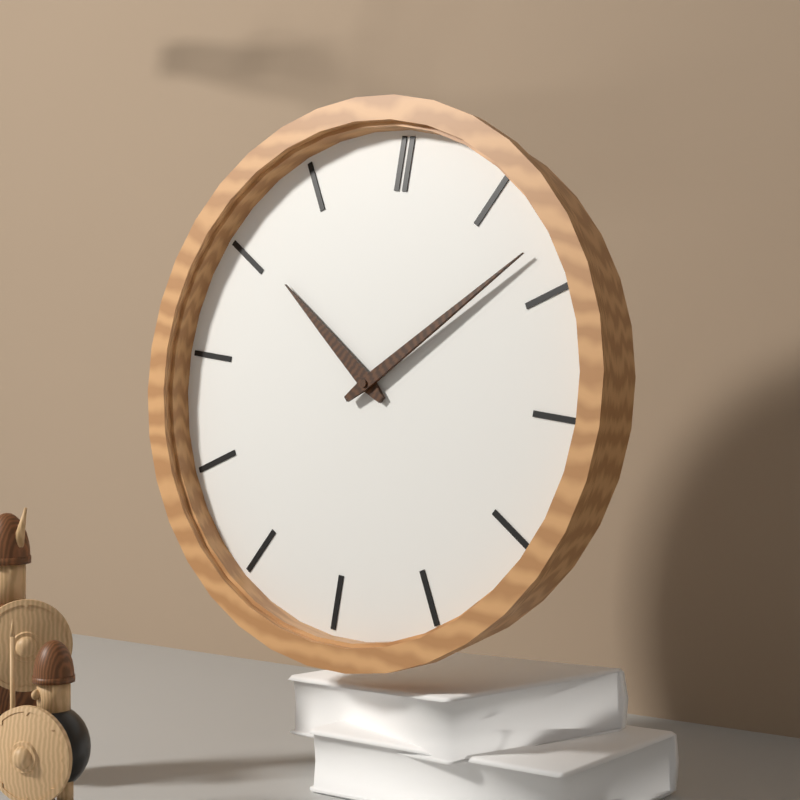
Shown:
10 h 08 min
